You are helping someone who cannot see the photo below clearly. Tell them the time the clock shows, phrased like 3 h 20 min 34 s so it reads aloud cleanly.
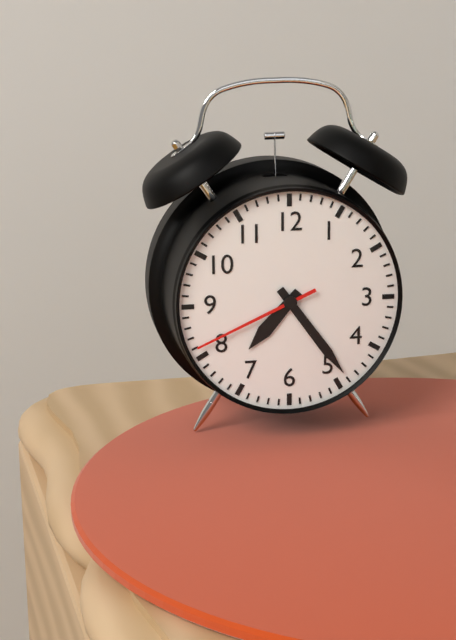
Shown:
7 h 24 min 41 s
